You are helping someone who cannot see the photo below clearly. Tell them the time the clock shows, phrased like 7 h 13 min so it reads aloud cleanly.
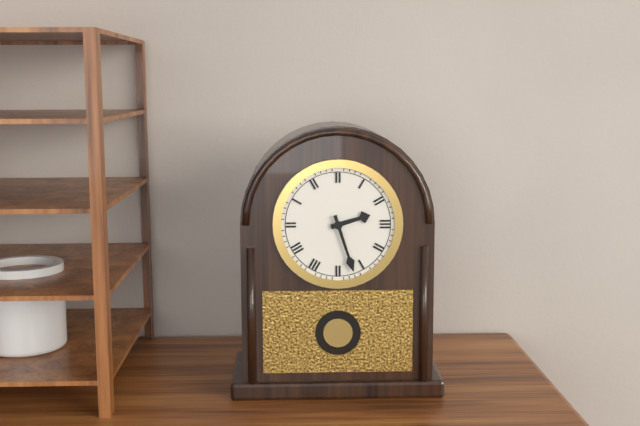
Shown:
2 h 27 min
